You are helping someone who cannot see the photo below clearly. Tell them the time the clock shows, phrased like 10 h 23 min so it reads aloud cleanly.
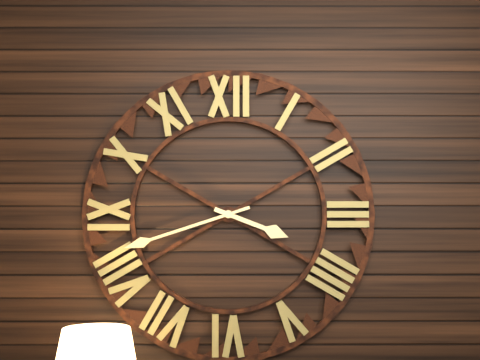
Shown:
3 h 42 min
